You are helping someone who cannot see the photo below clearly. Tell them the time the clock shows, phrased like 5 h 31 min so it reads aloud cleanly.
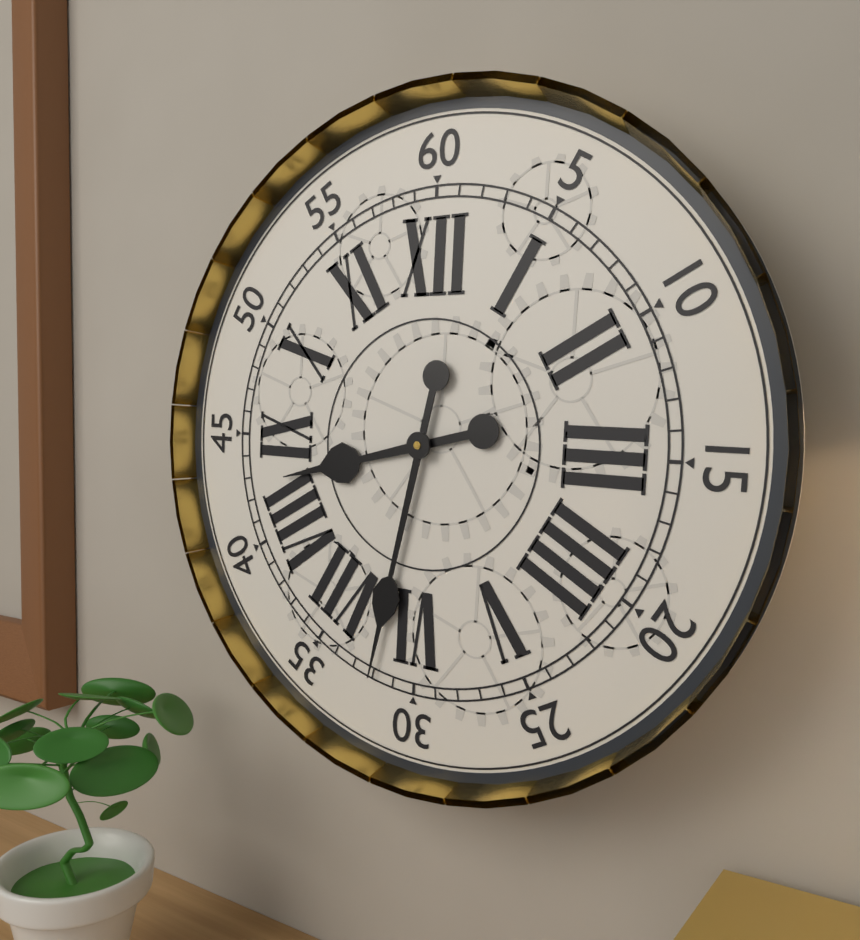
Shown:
8 h 32 min
